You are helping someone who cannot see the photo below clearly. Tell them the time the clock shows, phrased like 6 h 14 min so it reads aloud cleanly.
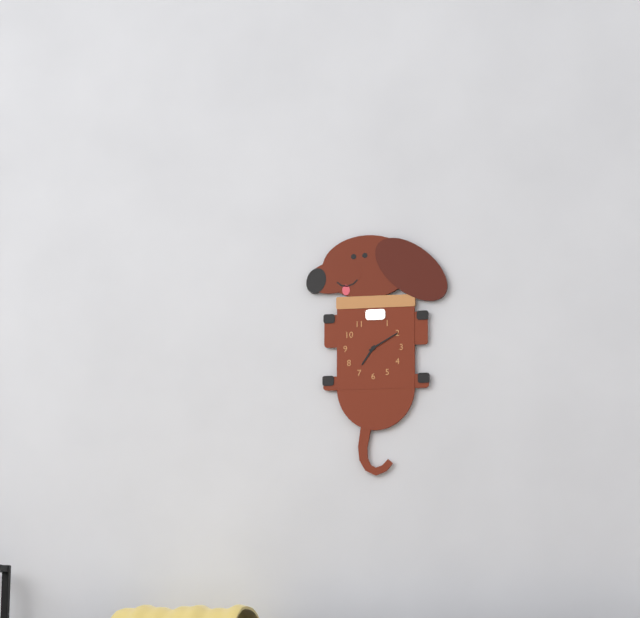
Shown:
7 h 10 min
